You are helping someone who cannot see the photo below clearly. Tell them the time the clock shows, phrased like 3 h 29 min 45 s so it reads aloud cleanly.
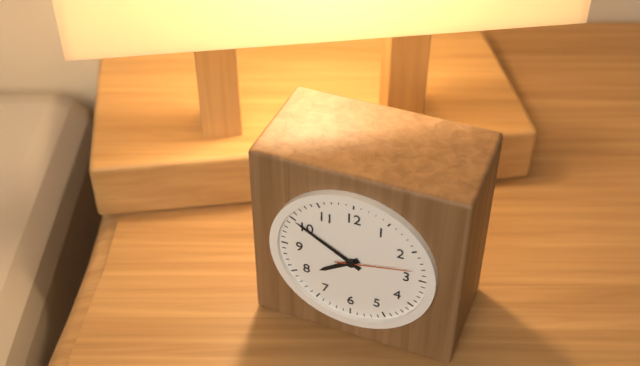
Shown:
7 h 50 min 13 s
